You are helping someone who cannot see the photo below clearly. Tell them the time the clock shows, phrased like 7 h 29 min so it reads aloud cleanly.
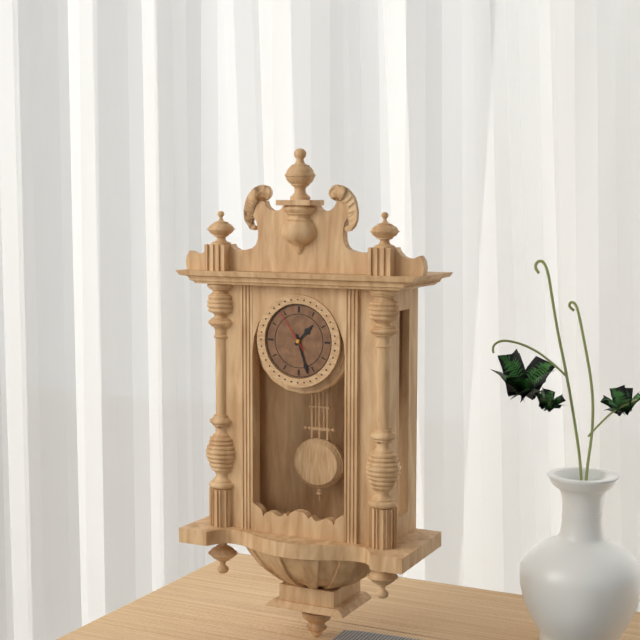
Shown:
1 h 27 min
